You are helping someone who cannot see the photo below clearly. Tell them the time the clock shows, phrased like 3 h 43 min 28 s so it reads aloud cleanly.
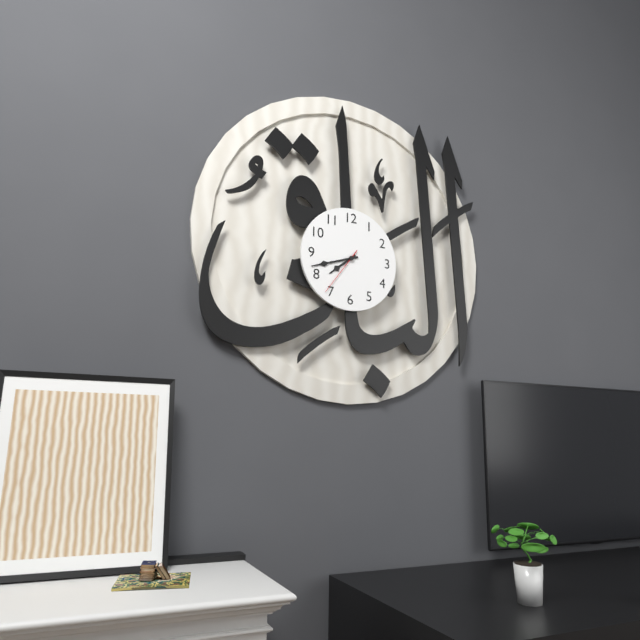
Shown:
7 h 42 min 36 s
